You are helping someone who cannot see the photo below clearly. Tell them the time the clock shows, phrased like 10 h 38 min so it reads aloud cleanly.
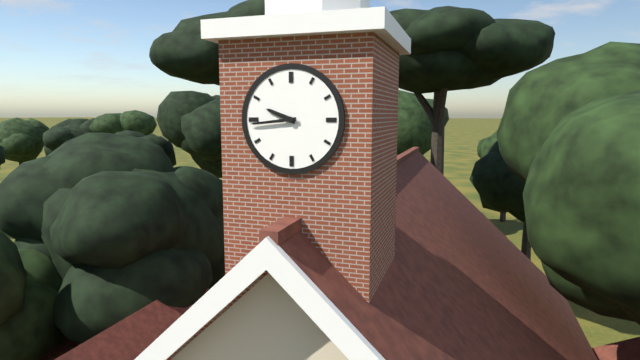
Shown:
9 h 44 min
